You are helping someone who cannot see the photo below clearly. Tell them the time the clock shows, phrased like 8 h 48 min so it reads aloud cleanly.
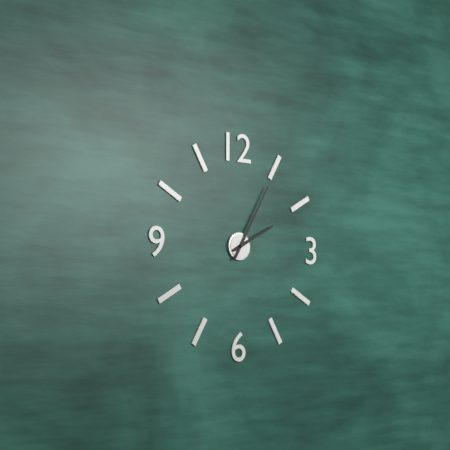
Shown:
2 h 05 min
